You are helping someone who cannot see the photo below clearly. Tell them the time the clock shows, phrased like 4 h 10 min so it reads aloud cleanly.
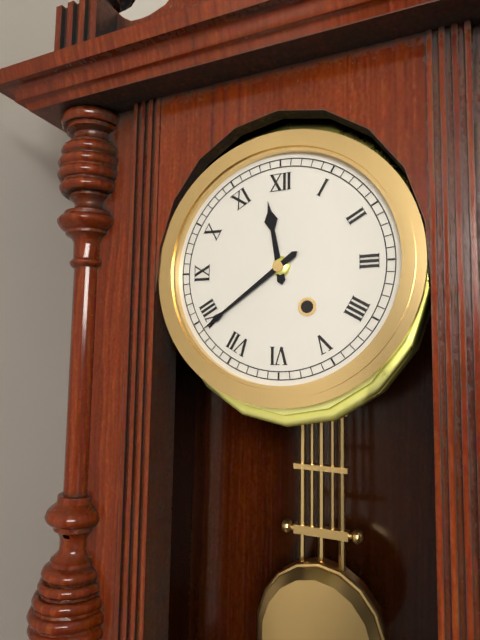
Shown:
11 h 39 min
